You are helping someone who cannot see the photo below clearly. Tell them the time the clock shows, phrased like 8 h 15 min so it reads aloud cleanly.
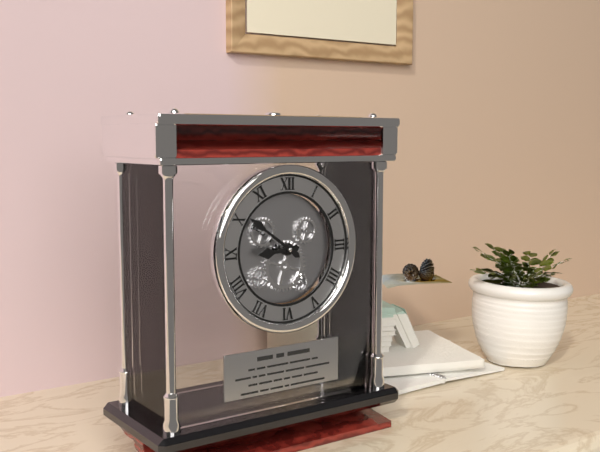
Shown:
8 h 51 min
